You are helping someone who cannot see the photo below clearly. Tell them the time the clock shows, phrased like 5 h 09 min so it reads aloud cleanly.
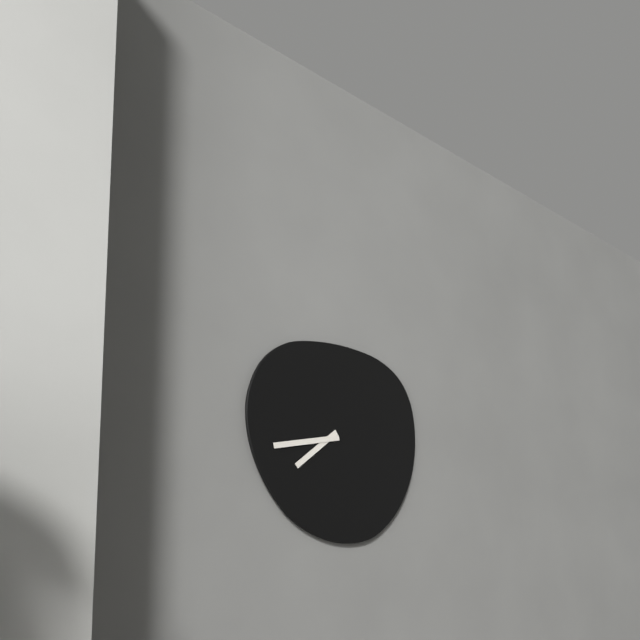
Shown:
7 h 43 min
